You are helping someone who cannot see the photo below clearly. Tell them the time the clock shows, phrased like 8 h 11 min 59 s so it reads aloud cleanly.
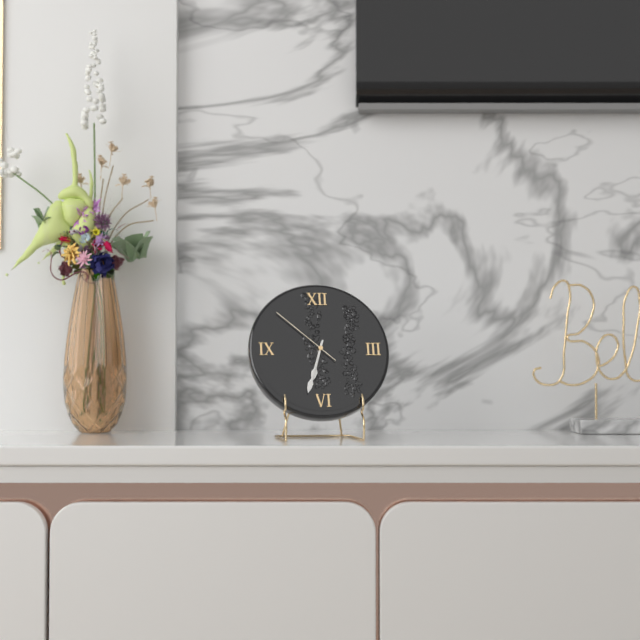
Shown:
6 h 33 min 52 s
